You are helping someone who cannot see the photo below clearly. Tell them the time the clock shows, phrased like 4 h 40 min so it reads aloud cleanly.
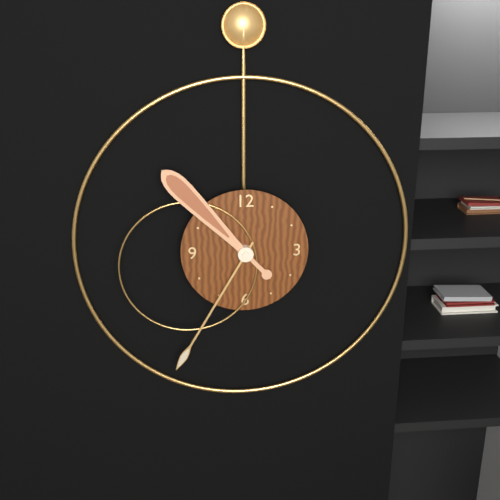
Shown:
10 h 35 min
